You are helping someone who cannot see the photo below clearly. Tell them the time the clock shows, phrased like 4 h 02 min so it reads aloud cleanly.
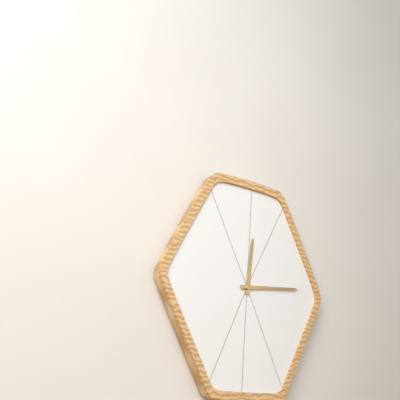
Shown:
12 h 14 min
